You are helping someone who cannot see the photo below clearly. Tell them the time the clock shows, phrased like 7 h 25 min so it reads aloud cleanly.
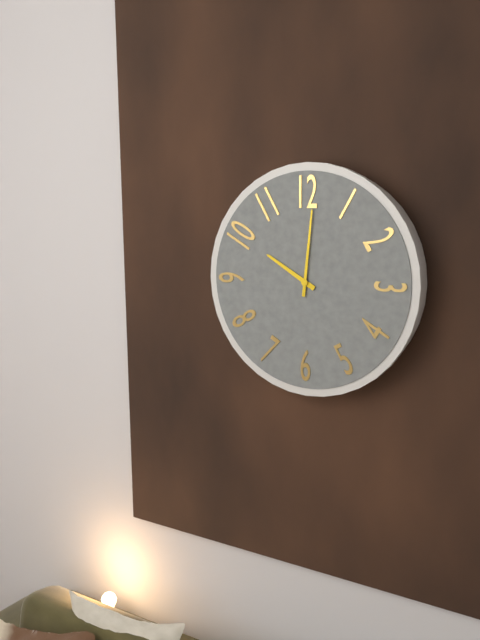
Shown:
10 h 01 min
